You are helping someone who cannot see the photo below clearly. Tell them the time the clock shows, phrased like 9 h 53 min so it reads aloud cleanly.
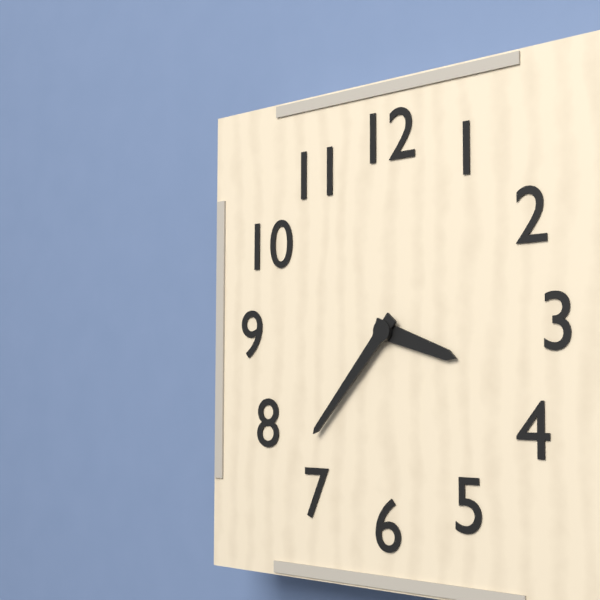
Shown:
3 h 37 min
